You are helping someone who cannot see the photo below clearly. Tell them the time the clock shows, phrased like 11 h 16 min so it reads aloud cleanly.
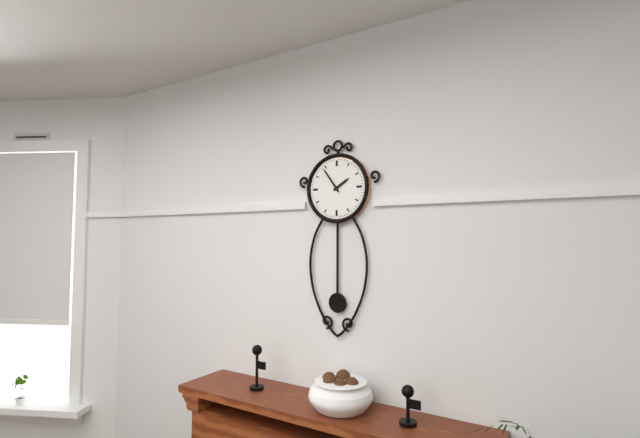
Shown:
1 h 54 min
